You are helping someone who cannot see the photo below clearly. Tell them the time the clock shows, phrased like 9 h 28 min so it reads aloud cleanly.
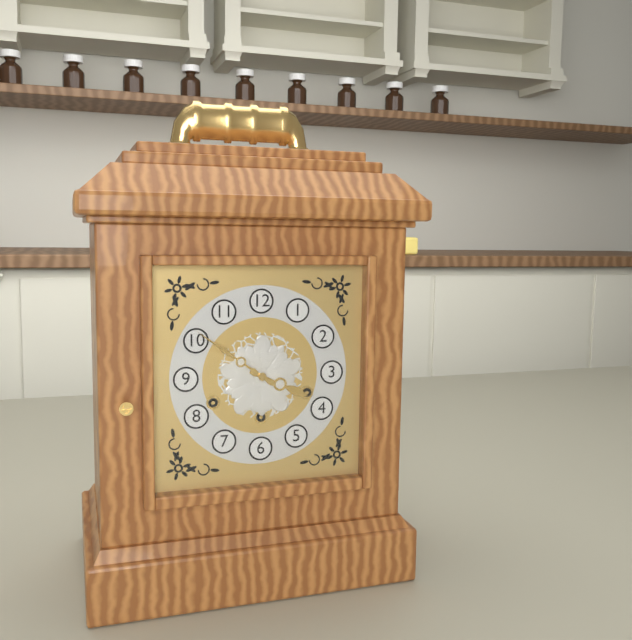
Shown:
3 h 51 min
